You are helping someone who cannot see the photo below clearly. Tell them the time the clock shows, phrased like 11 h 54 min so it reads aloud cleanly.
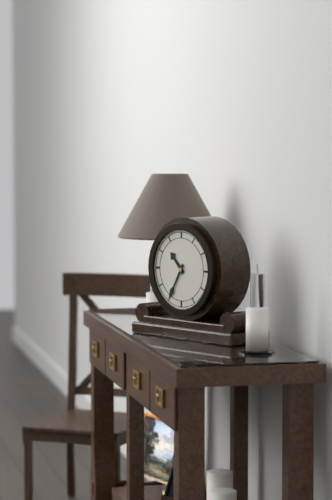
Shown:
10 h 35 min
